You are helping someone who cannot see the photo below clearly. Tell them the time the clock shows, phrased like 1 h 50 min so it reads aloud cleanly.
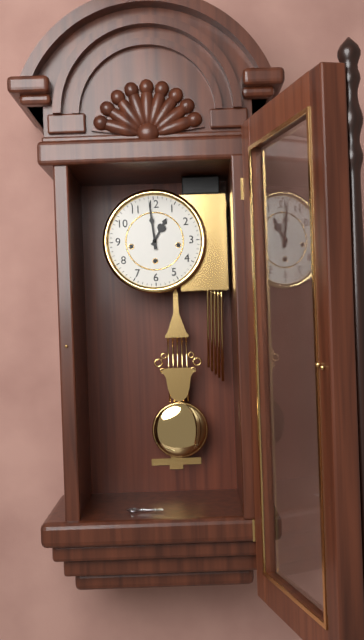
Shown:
12 h 59 min
